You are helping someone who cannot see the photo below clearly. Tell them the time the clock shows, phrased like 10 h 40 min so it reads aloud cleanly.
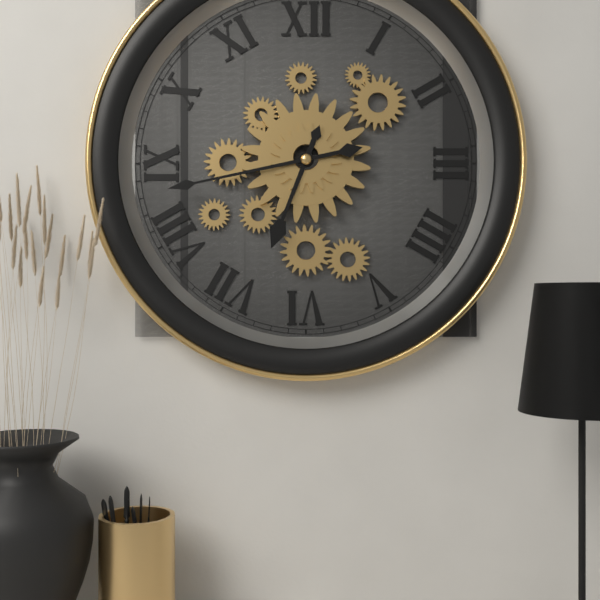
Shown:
6 h 43 min
